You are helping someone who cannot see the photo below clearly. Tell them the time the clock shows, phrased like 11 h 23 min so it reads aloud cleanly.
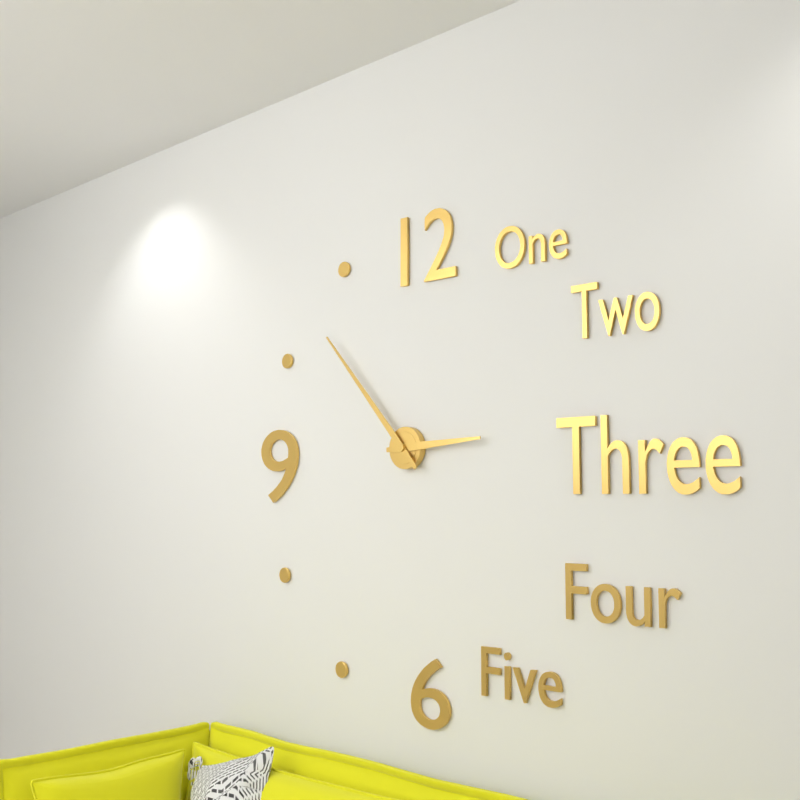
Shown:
2 h 53 min
